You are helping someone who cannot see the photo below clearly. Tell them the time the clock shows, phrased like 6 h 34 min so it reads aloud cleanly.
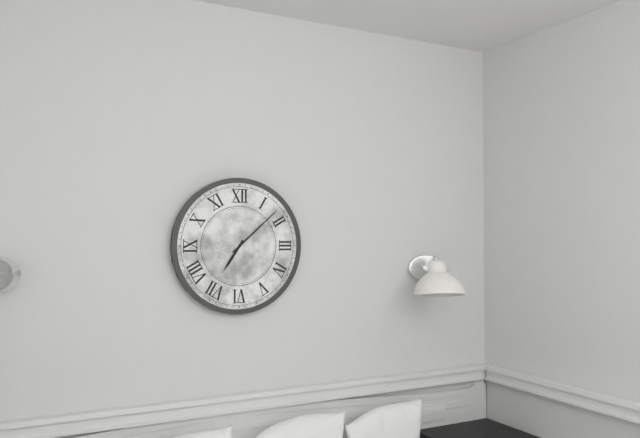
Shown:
7 h 08 min
